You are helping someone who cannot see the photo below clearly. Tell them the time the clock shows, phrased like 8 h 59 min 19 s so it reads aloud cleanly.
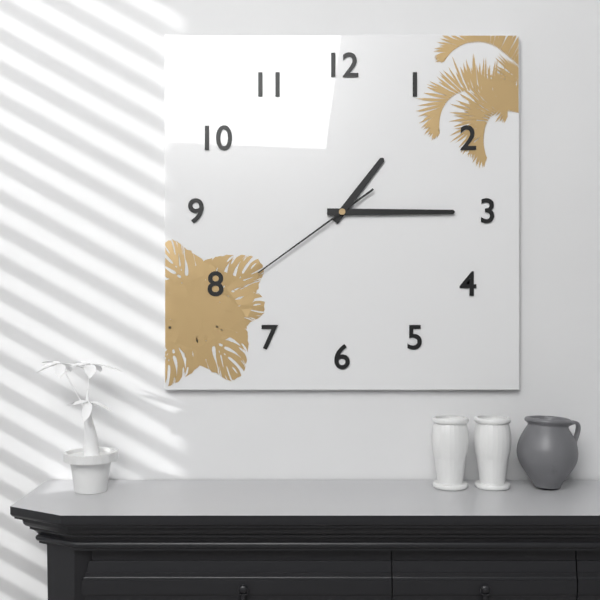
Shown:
1 h 15 min 39 s
